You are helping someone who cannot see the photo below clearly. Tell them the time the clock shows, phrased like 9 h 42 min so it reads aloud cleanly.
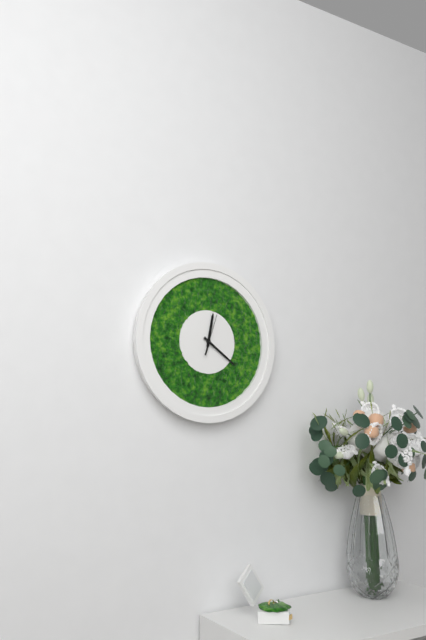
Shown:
12 h 21 min
